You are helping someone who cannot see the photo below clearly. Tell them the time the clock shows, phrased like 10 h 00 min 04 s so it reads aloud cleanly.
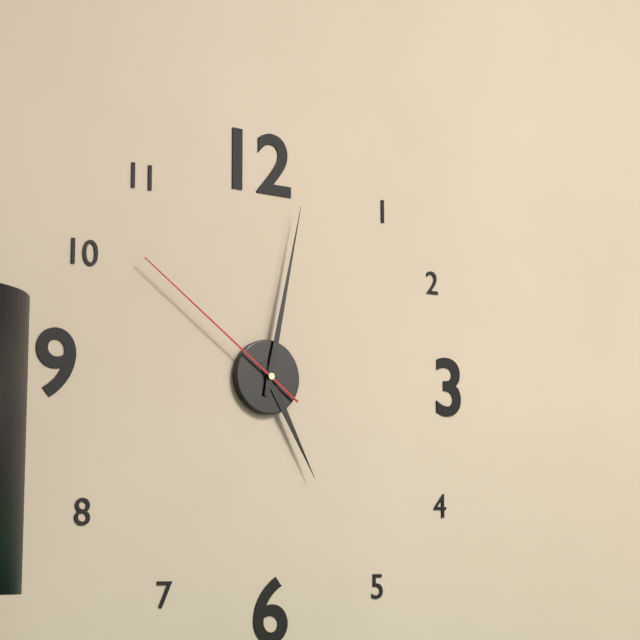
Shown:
5 h 02 min 51 s
